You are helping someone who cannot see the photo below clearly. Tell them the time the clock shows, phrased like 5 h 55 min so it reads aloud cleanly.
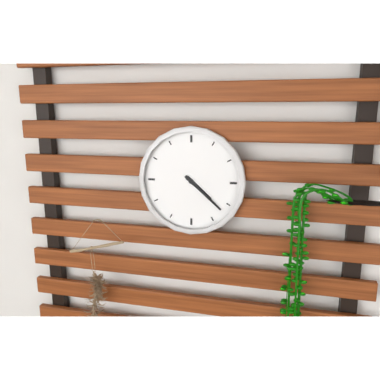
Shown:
4 h 22 min
